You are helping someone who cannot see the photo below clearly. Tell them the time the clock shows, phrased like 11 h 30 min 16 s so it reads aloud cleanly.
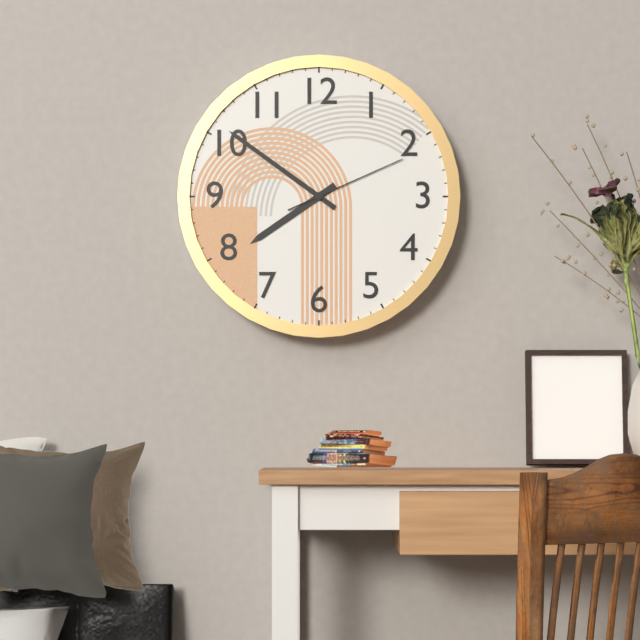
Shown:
7 h 51 min 11 s
